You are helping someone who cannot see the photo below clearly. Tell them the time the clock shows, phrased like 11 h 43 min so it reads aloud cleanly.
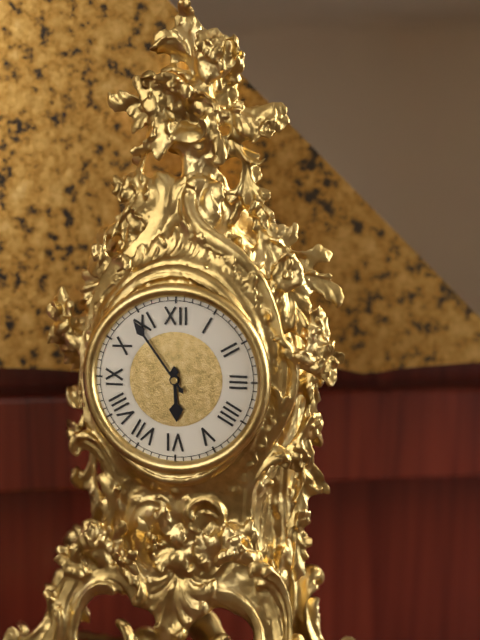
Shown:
5 h 54 min
